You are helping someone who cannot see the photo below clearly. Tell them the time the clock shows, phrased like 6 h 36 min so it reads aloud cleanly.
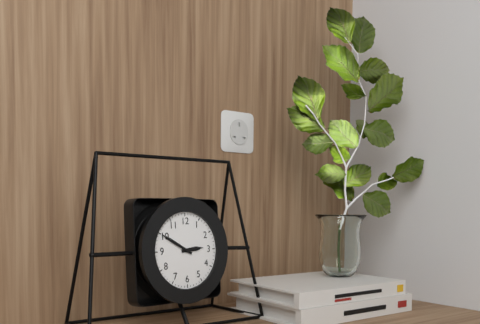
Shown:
2 h 50 min
